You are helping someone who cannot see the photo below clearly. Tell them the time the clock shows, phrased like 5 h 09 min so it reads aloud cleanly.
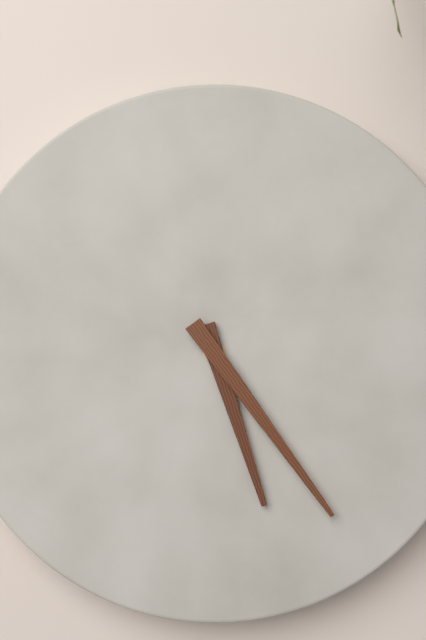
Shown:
5 h 24 min
